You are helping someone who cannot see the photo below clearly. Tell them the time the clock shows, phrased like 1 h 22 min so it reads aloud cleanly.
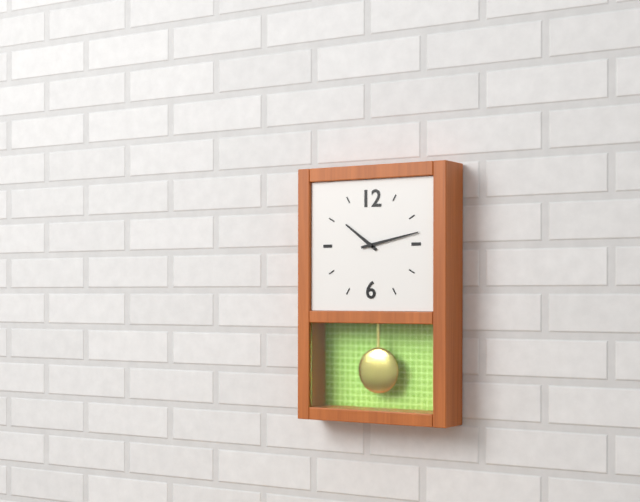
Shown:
10 h 13 min
